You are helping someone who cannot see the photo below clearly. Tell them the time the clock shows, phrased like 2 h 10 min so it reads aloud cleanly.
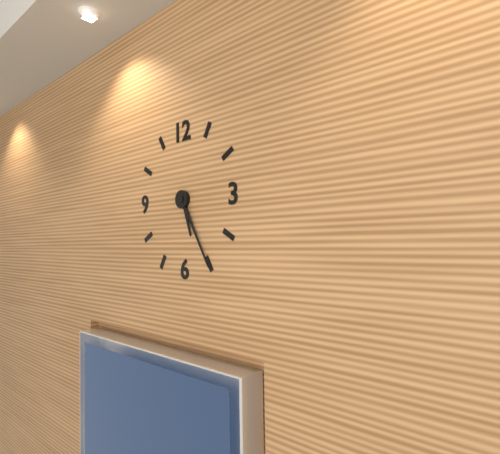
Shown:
5 h 25 min
